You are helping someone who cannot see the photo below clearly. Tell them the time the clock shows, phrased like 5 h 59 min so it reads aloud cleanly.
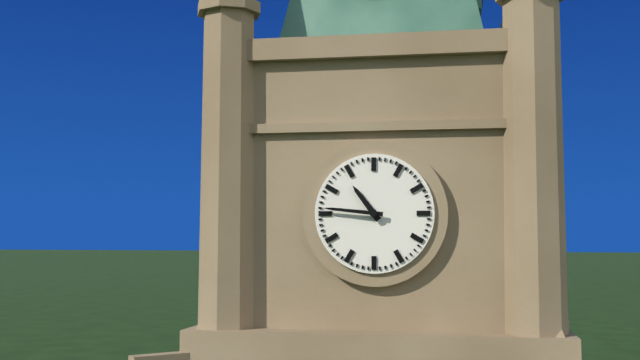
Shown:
10 h 46 min
